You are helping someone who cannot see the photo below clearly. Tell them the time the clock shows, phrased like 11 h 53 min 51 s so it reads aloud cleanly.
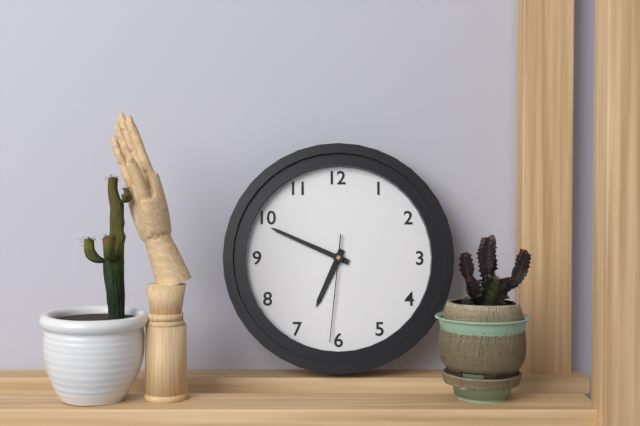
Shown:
6 h 49 min 31 s
